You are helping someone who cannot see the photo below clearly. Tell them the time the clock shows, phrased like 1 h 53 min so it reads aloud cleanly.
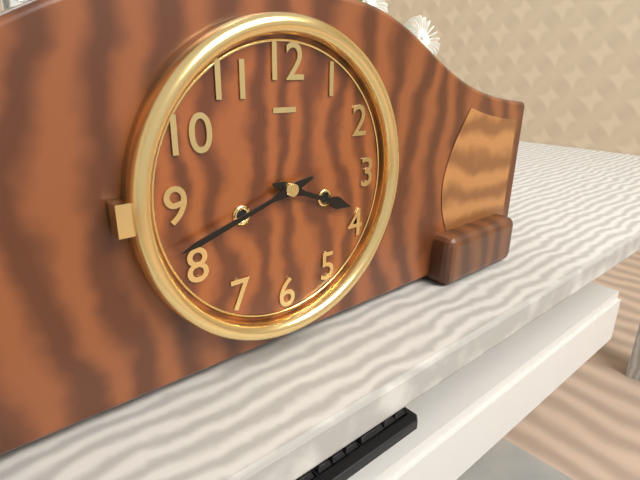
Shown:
3 h 42 min
